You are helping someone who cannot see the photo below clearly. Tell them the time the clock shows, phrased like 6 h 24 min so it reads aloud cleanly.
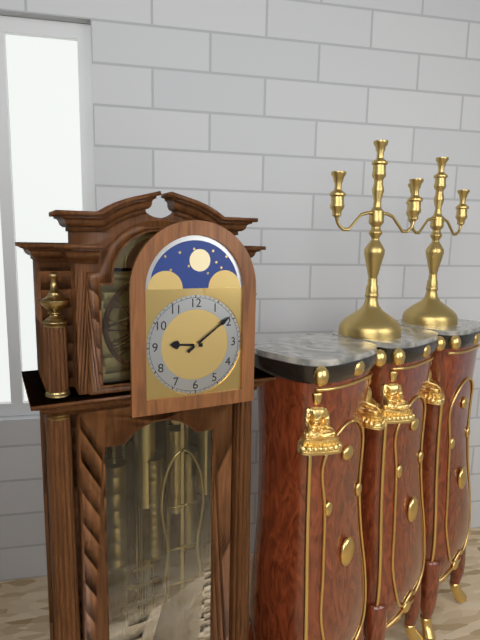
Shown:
9 h 09 min
